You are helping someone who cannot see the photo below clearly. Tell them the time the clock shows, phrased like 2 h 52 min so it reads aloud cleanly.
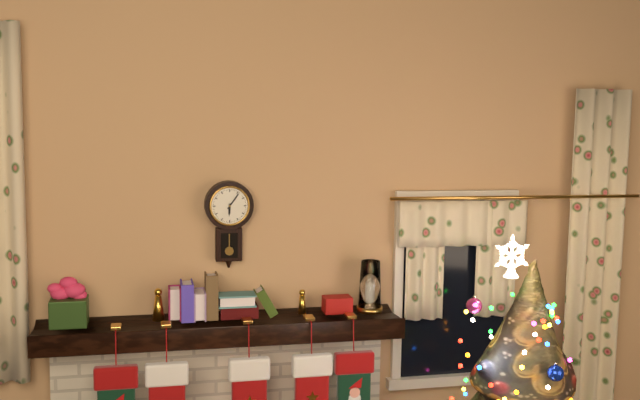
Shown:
6 h 06 min
